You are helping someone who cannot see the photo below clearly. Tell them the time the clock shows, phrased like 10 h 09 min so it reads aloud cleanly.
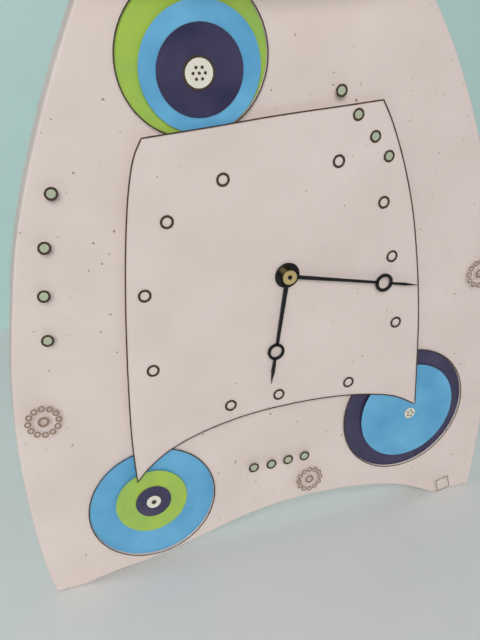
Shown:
6 h 17 min
